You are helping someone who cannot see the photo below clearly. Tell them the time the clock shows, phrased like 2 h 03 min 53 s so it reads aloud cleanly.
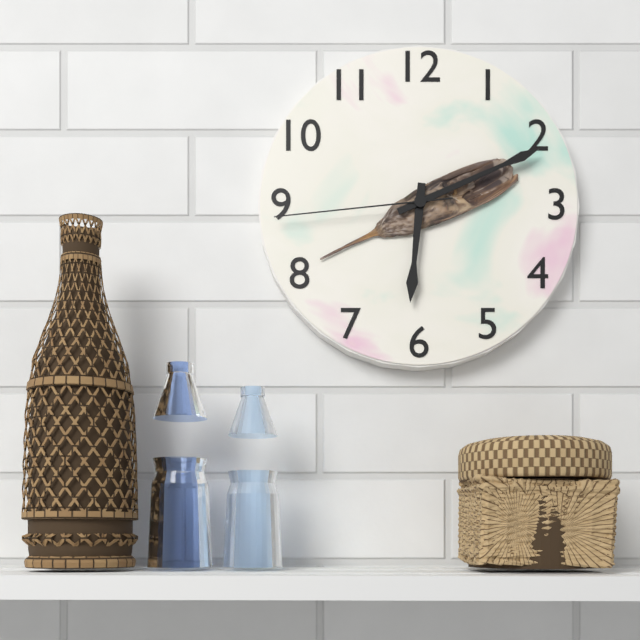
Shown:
6 h 11 min 44 s
